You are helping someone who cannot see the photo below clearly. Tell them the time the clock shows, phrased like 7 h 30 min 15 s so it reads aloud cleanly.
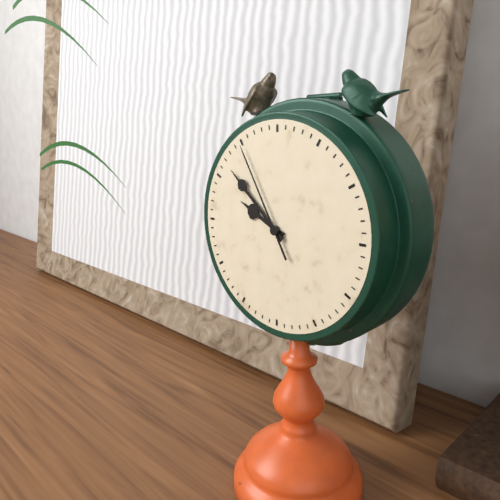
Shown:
9 h 52 min 55 s
